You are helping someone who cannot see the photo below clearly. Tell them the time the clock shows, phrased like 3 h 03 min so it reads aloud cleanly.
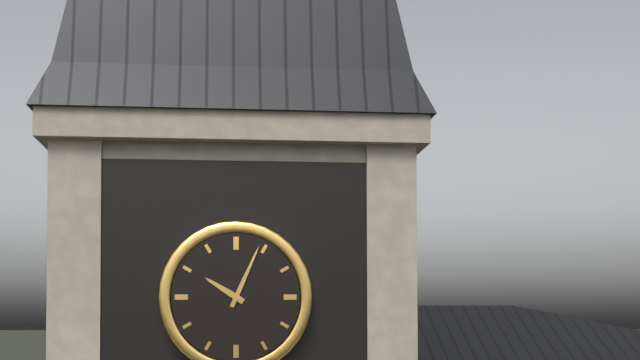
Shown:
10 h 04 min
